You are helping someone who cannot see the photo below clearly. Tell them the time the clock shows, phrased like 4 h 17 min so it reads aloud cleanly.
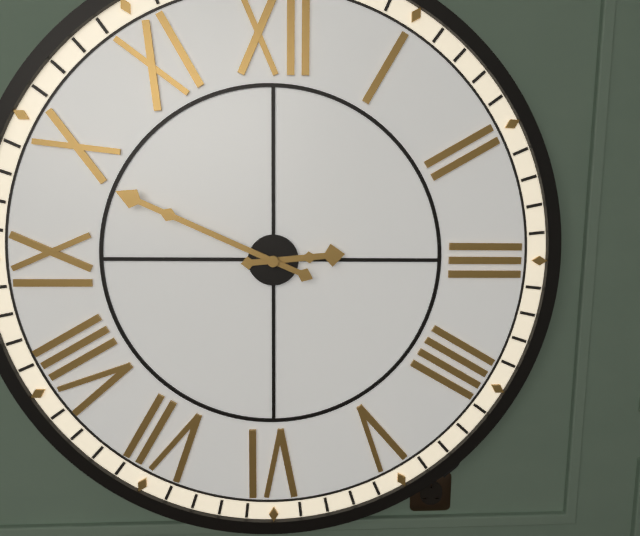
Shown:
2 h 49 min
